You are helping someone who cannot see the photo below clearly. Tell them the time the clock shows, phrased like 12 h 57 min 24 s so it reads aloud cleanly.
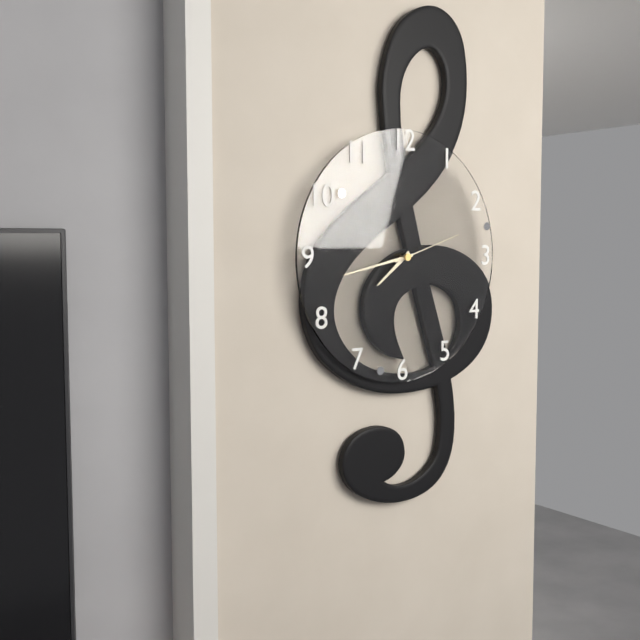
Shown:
7 h 43 min 12 s
